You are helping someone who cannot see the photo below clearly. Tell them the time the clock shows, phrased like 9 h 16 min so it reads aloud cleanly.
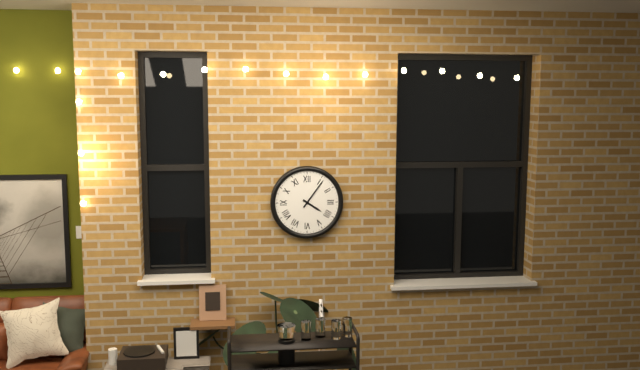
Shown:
4 h 06 min
